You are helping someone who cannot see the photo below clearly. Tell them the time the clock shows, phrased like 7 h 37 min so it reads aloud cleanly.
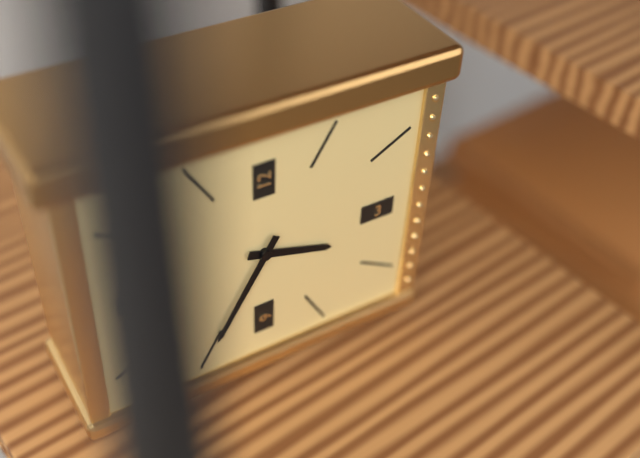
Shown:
3 h 35 min
